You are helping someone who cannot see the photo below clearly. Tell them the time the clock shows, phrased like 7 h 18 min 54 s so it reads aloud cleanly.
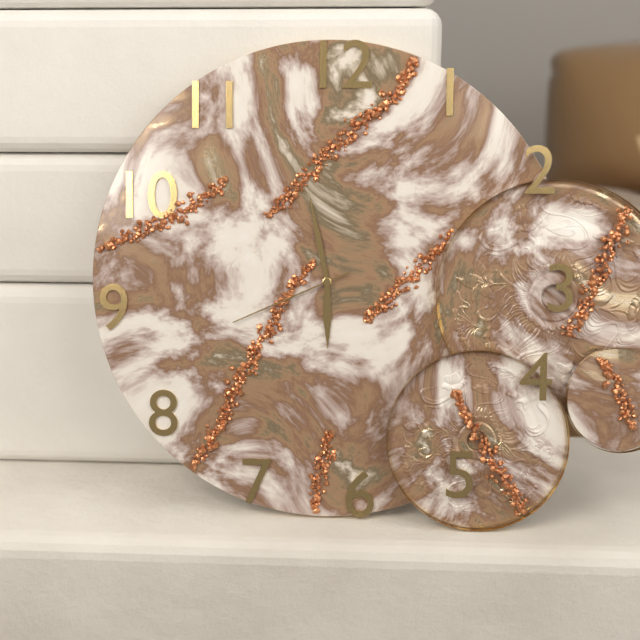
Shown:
5 h 58 min 41 s
